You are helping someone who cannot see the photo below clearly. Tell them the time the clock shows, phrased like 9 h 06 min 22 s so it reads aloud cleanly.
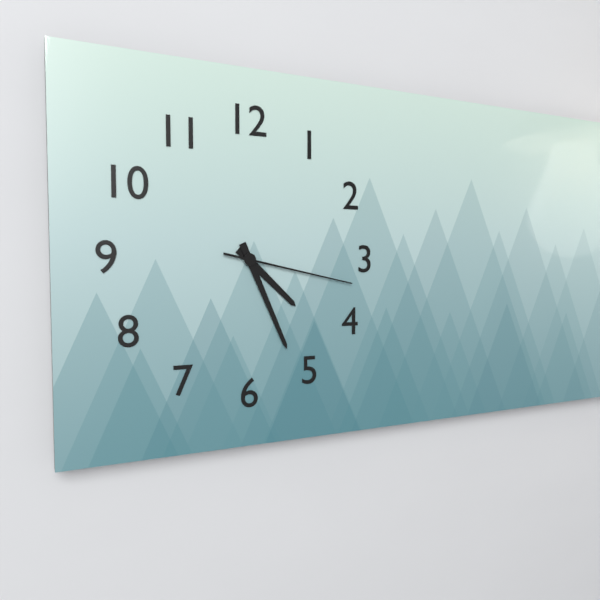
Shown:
4 h 26 min 17 s
